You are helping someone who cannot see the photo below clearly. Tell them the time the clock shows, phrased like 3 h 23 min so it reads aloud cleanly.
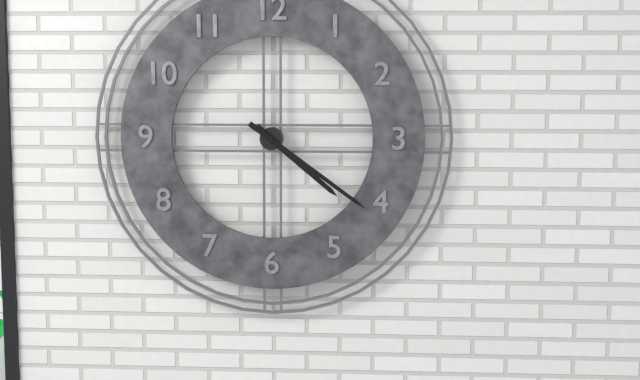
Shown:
4 h 21 min
